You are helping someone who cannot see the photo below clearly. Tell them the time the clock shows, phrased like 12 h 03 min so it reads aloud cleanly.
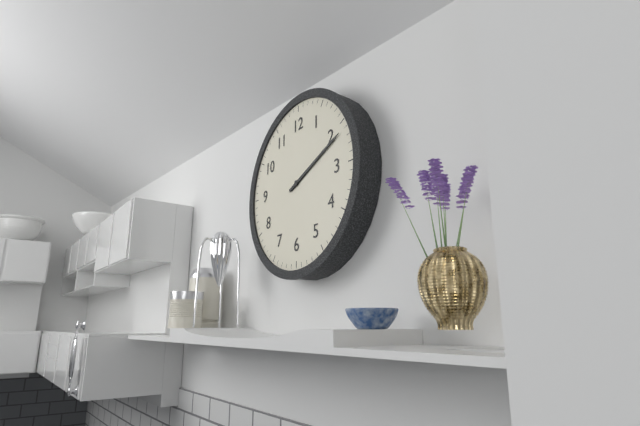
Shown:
2 h 11 min
